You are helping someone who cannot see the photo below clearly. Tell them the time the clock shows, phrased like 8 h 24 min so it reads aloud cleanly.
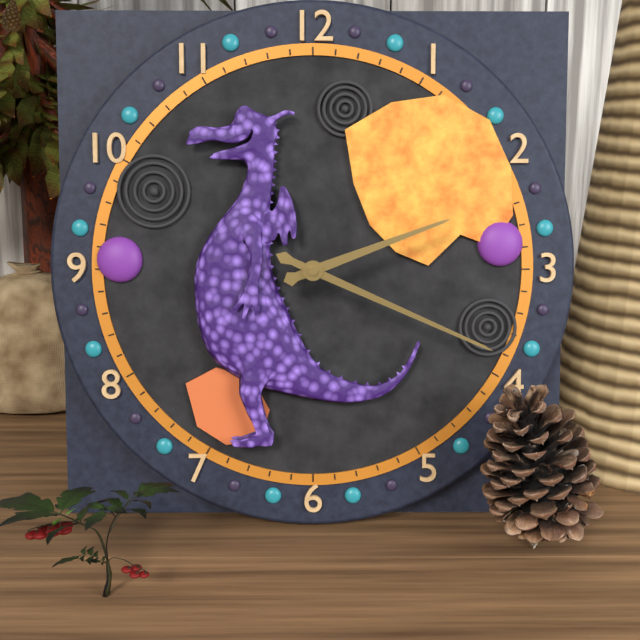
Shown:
2 h 19 min
